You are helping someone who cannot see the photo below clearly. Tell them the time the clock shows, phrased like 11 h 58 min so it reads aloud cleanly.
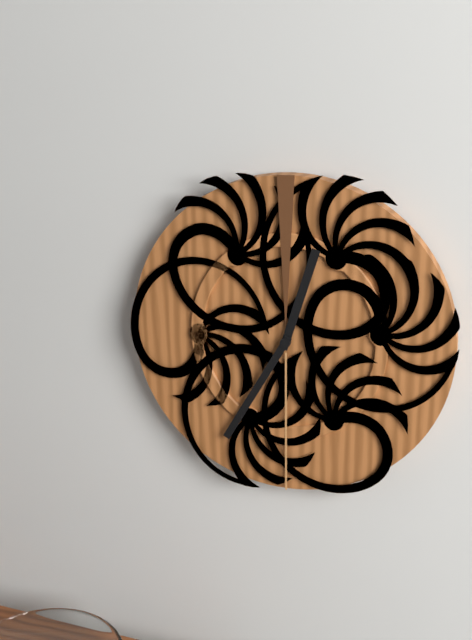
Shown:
12 h 35 min
